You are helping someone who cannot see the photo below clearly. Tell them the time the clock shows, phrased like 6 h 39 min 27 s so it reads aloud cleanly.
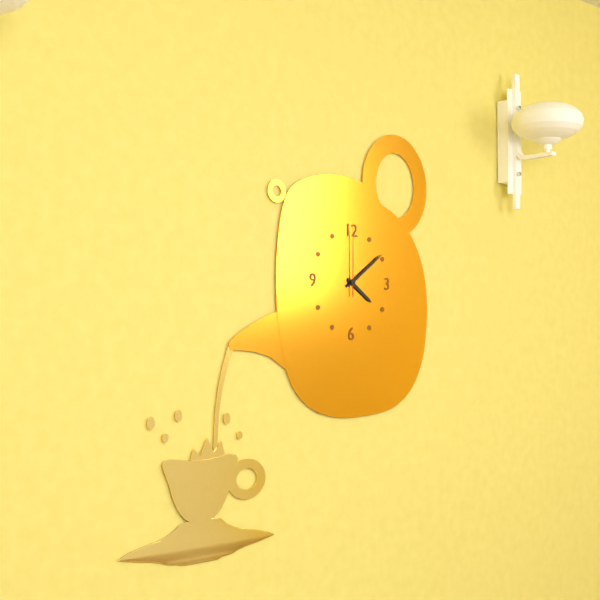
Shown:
4 h 09 min 00 s
